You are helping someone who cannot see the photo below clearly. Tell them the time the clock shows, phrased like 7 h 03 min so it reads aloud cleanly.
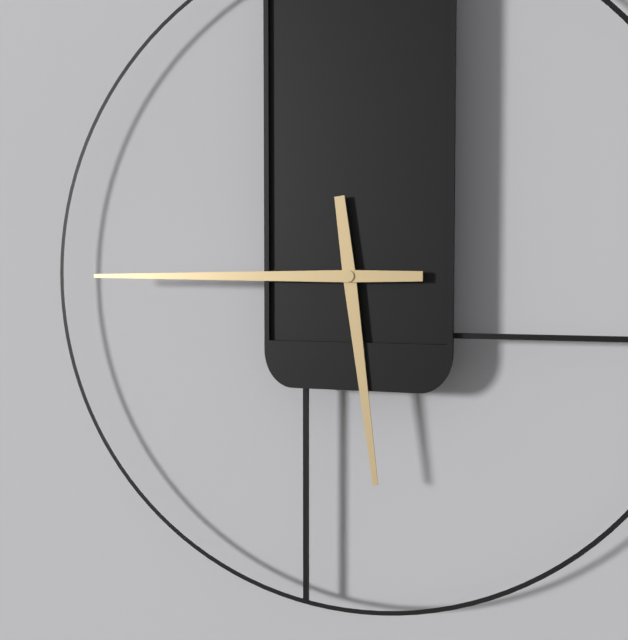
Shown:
5 h 45 min
